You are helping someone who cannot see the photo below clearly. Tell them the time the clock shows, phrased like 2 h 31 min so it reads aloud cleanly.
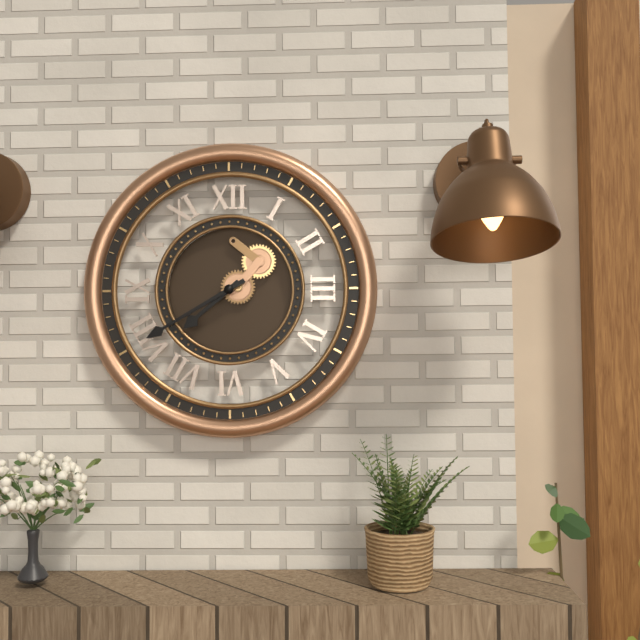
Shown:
7 h 40 min
